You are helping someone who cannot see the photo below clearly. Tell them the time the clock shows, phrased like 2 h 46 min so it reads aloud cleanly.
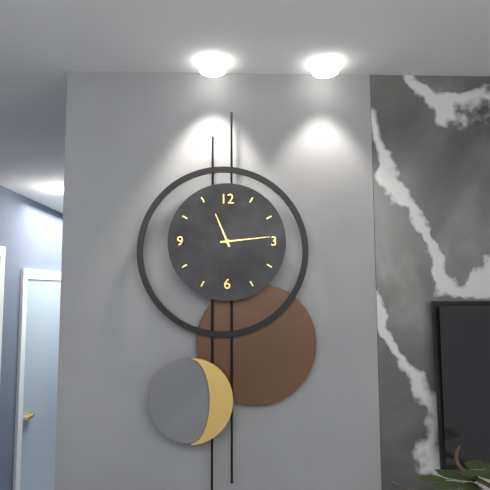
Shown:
11 h 14 min
